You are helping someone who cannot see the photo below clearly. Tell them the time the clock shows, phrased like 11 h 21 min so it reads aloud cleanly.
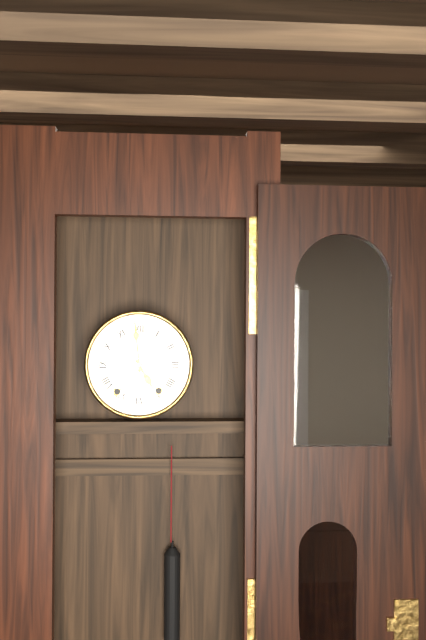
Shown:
4 h 59 min
